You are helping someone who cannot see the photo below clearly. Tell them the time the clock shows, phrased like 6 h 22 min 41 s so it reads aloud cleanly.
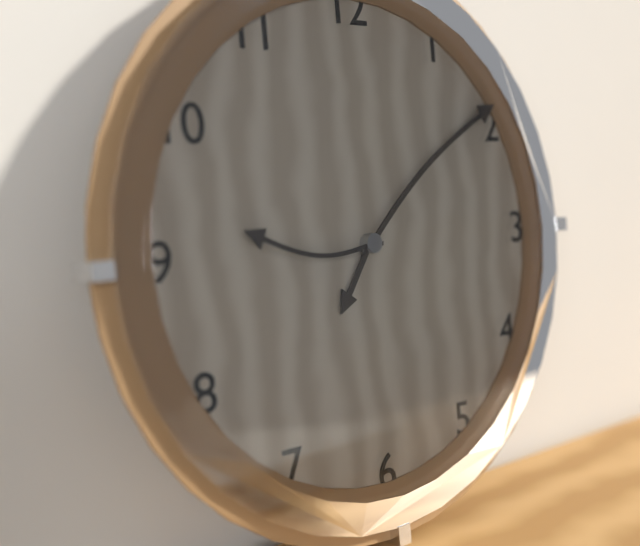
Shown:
7 h 09 min 46 s
